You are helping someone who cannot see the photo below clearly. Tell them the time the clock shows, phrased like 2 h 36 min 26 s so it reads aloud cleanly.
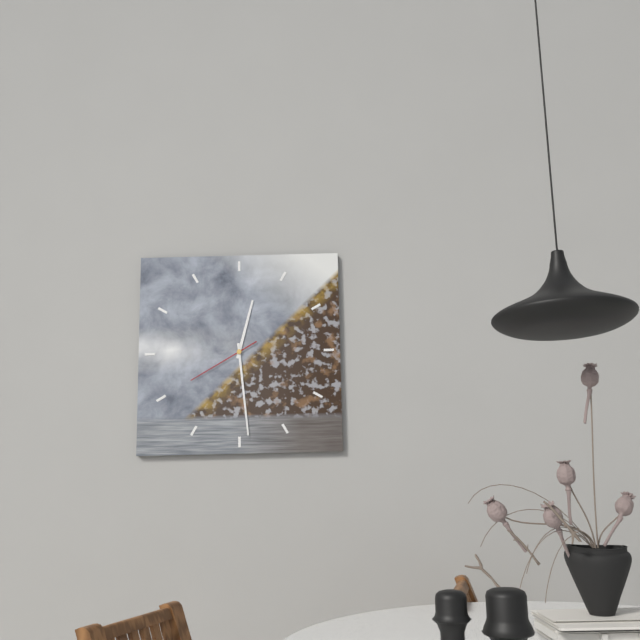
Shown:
12 h 29 min 40 s
